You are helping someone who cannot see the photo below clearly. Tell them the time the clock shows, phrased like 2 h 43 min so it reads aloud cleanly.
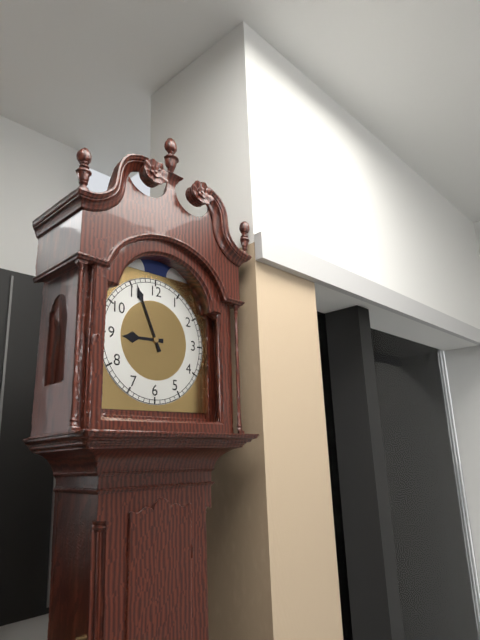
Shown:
8 h 56 min
